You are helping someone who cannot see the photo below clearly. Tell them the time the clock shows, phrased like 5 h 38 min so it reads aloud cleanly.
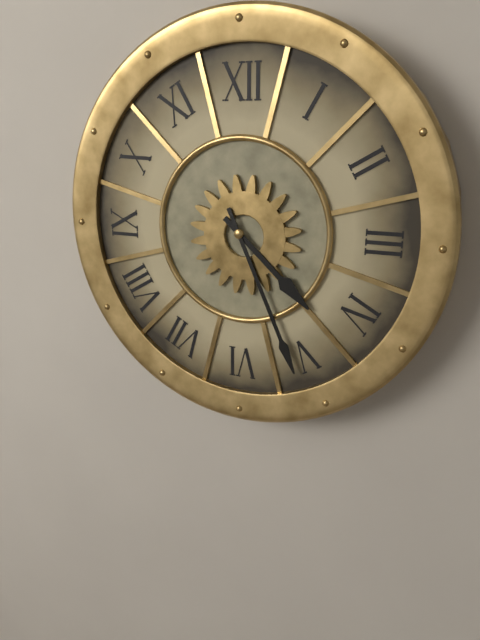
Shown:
4 h 26 min
